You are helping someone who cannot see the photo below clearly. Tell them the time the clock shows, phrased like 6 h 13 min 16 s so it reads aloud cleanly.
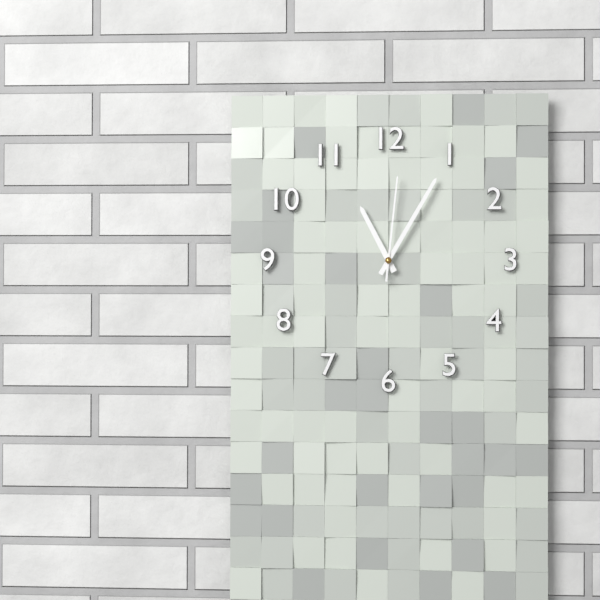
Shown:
11 h 05 min 01 s
